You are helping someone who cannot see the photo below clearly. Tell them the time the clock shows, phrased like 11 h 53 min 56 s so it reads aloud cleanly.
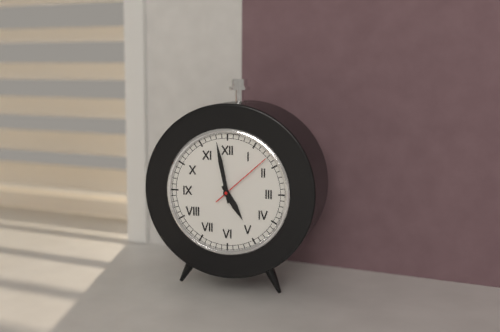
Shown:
4 h 58 min 08 s
